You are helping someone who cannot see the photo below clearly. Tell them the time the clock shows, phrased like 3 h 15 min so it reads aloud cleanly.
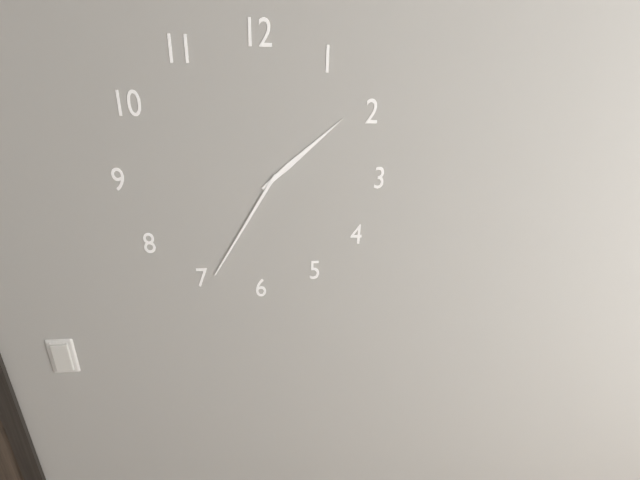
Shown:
1 h 35 min
